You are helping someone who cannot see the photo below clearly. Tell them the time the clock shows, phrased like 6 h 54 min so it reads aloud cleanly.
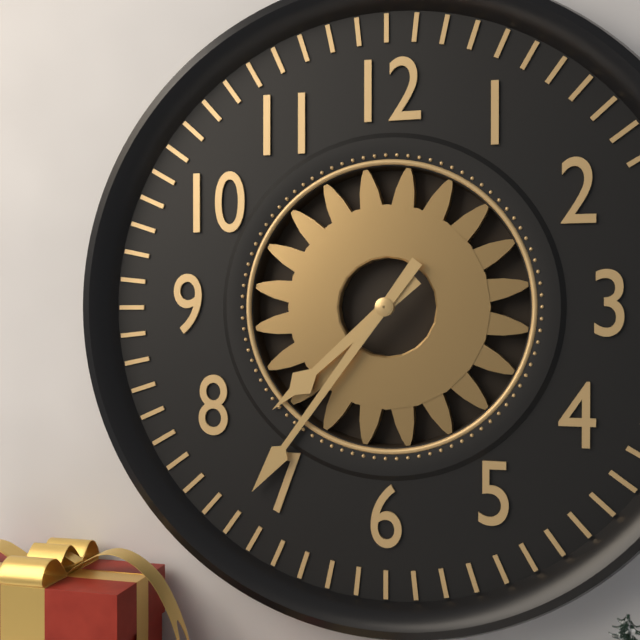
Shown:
7 h 36 min
